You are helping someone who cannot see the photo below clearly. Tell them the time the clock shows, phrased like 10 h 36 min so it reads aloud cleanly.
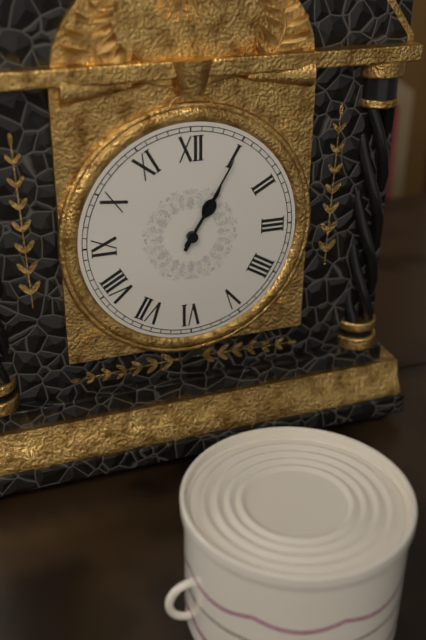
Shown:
1 h 05 min
